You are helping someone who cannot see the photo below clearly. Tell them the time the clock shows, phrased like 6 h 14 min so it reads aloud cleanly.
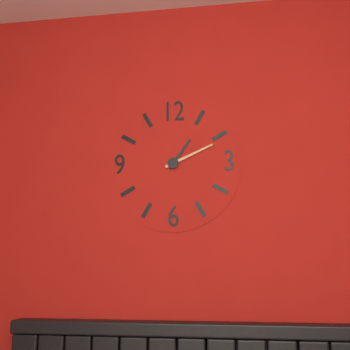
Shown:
1 h 11 min
